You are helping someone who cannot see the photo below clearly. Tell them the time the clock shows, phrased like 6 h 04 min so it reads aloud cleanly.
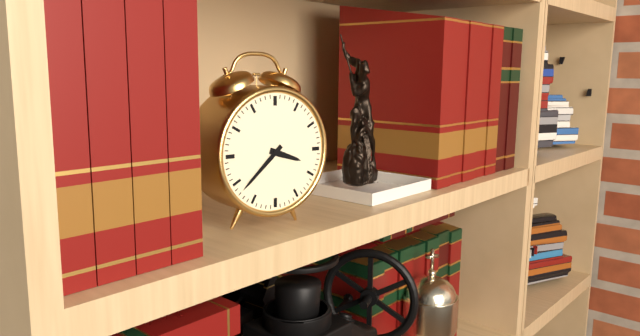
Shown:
3 h 38 min
